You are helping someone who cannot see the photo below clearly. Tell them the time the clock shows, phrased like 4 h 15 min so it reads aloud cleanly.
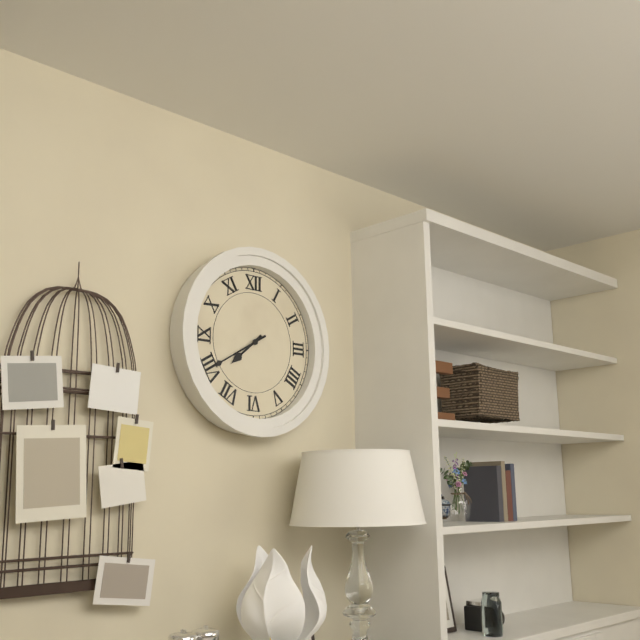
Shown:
7 h 40 min
